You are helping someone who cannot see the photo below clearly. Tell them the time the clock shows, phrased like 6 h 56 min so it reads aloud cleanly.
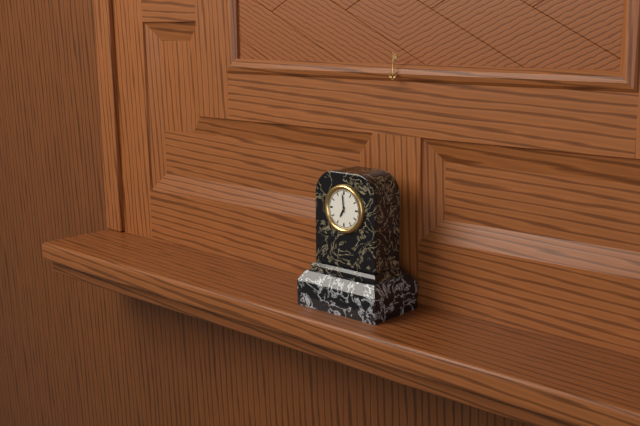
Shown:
6 h 59 min
